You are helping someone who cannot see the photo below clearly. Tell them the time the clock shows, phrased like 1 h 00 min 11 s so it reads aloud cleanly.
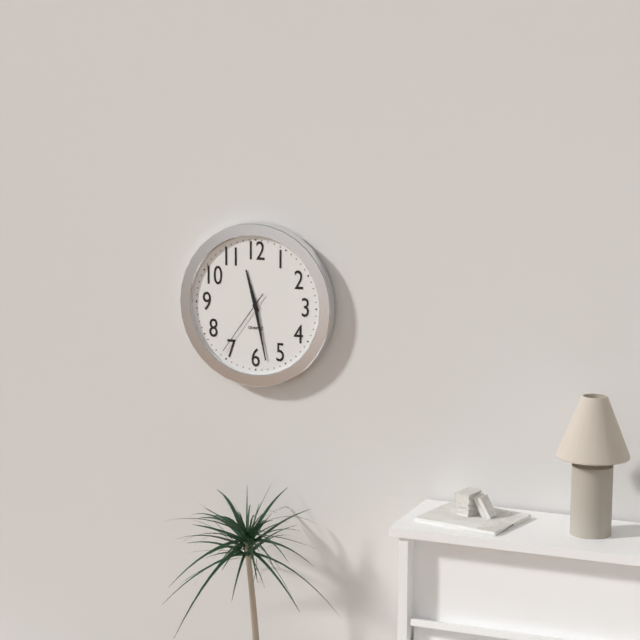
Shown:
11 h 28 min 36 s
